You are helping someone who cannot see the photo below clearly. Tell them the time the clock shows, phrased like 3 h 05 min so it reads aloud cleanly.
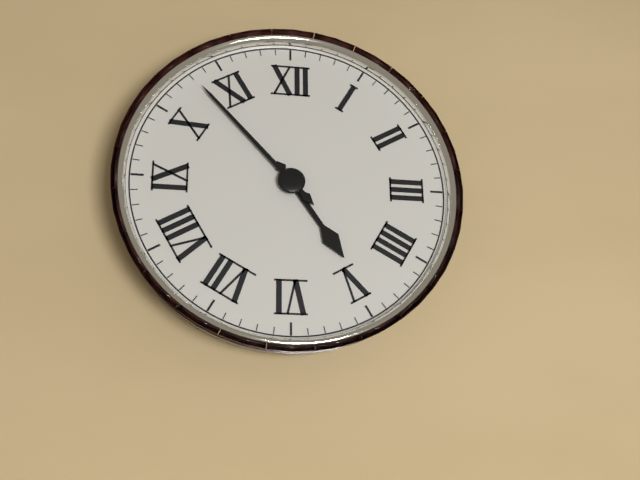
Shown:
4 h 53 min
